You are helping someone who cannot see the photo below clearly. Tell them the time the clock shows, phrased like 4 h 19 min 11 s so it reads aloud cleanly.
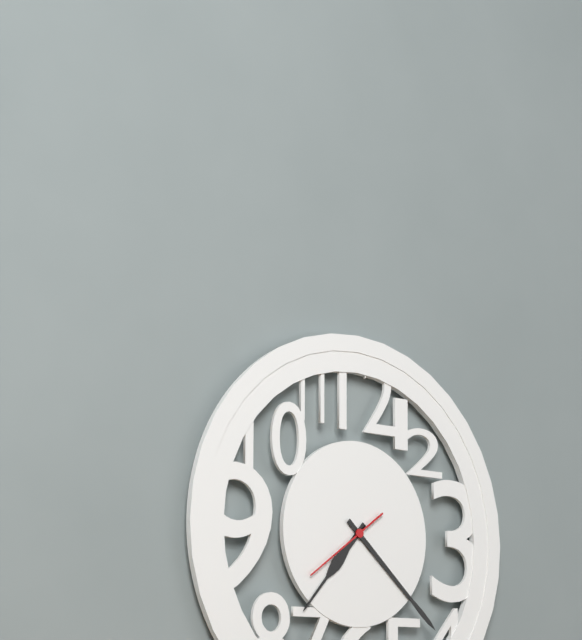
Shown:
7 h 22 min 39 s
